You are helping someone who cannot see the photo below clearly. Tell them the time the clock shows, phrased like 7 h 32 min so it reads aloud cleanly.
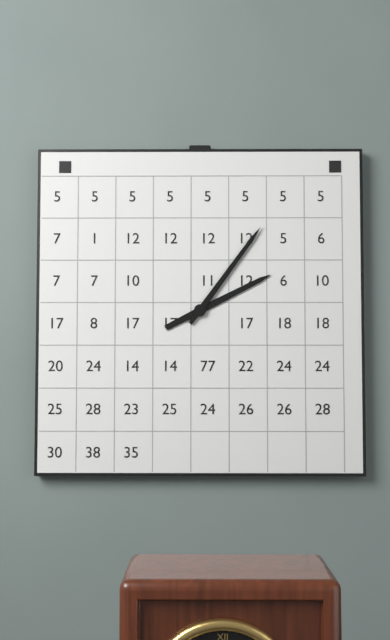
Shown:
2 h 06 min
